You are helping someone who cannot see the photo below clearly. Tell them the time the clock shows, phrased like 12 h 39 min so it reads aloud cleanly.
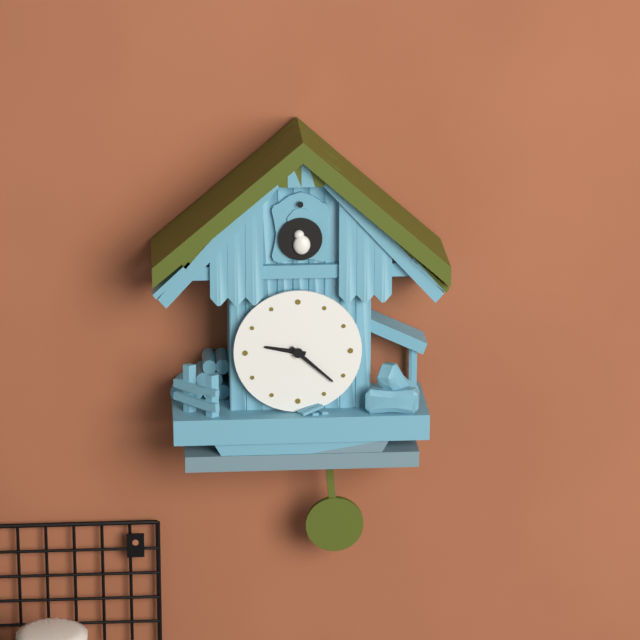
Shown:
9 h 22 min
